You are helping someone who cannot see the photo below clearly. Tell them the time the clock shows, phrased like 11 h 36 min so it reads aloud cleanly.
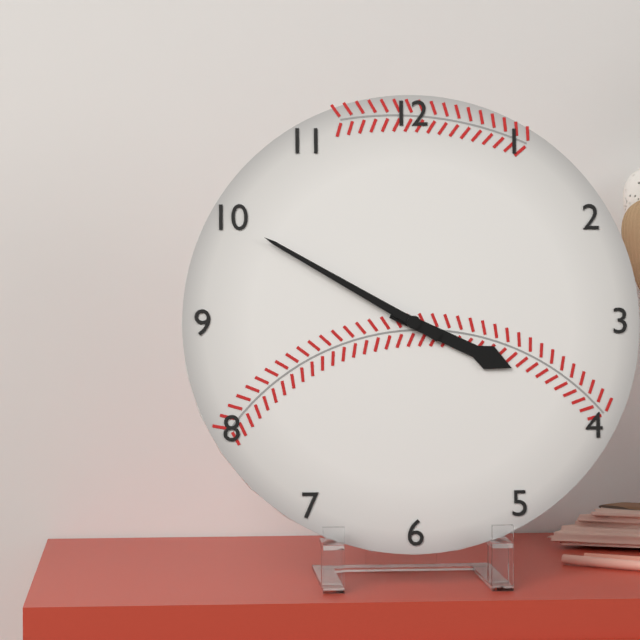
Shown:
3 h 50 min
